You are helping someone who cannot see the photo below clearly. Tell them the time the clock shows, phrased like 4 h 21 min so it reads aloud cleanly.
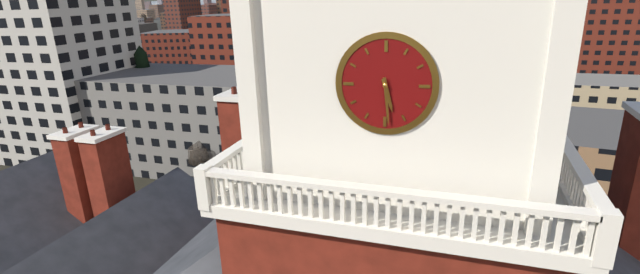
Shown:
5 h 29 min
